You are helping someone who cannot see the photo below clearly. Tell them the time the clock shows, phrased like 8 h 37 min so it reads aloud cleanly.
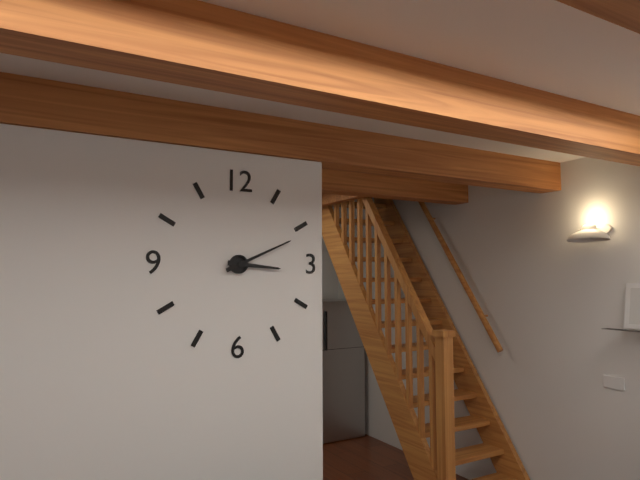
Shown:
3 h 11 min
